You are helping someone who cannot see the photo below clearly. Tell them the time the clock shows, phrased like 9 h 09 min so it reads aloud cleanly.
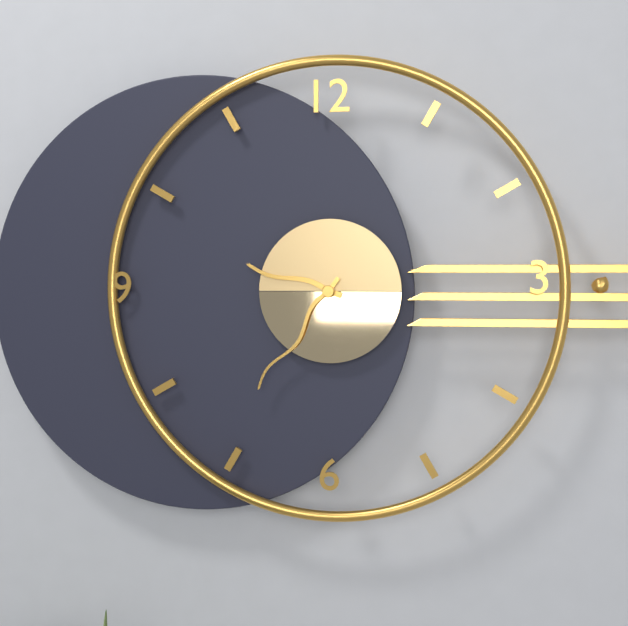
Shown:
9 h 36 min
